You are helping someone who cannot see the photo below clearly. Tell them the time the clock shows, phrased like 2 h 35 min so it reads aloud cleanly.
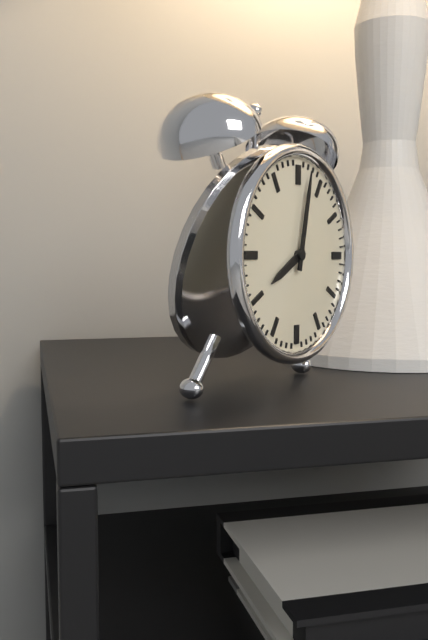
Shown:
8 h 02 min
